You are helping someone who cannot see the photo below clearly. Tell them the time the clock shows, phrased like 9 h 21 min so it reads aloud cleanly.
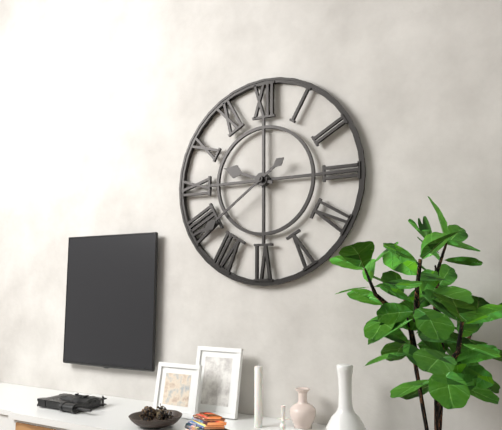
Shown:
9 h 39 min
